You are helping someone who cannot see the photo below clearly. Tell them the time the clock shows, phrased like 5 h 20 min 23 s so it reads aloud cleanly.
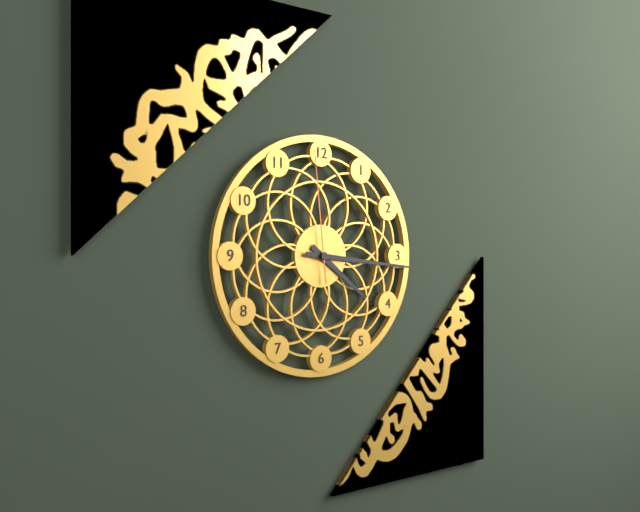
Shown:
4 h 16 min 59 s
